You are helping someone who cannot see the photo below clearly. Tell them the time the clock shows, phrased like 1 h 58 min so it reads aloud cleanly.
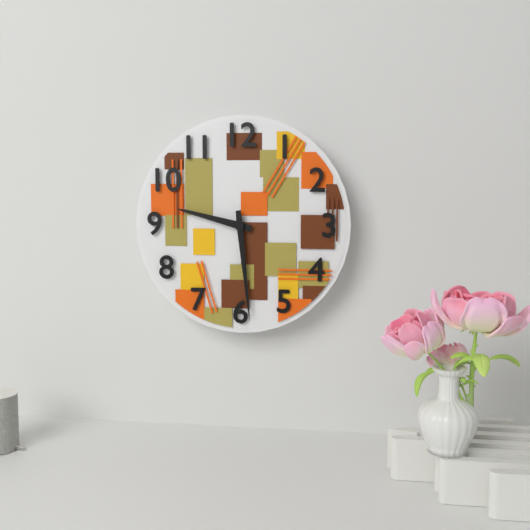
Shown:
9 h 29 min
